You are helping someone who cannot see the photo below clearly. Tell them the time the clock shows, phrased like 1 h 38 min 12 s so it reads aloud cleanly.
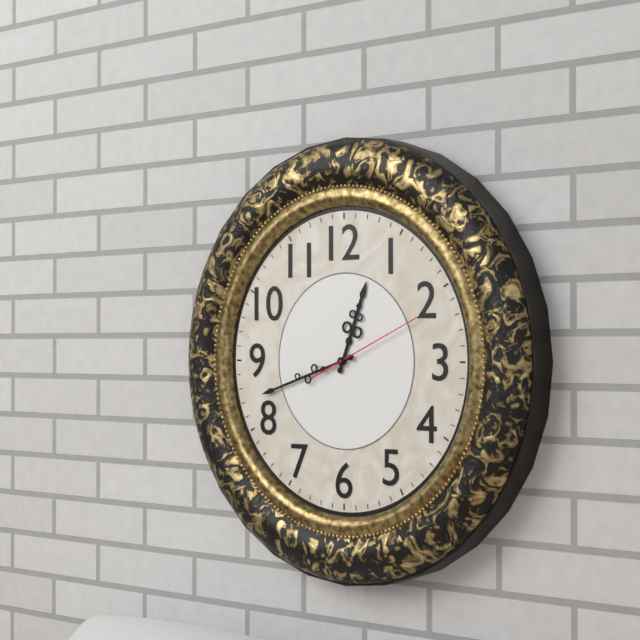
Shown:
12 h 42 min 11 s
